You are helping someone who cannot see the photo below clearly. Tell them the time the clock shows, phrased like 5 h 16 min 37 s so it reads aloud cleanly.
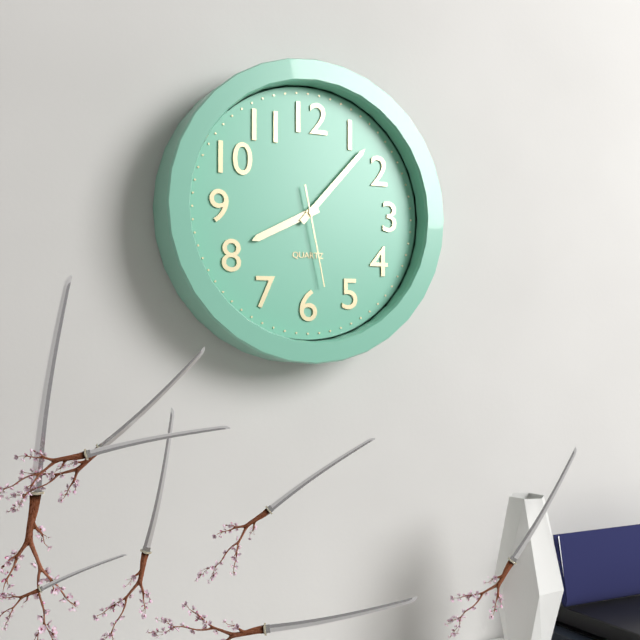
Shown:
8 h 07 min 28 s
